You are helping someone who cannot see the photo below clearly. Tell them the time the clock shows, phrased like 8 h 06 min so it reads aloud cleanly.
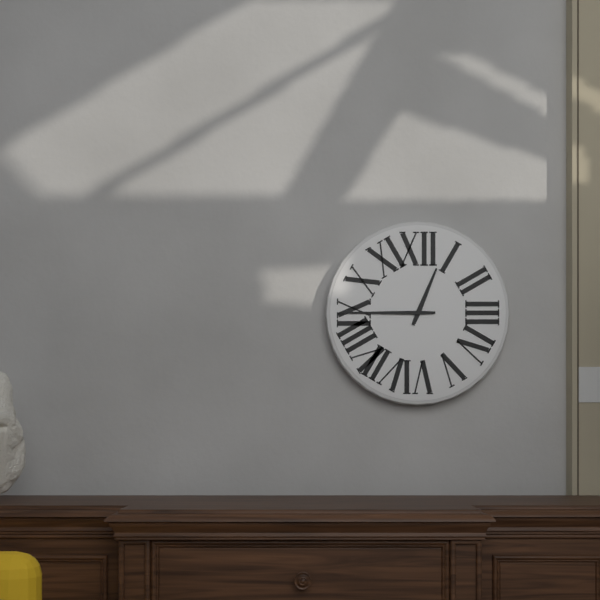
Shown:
12 h 45 min
